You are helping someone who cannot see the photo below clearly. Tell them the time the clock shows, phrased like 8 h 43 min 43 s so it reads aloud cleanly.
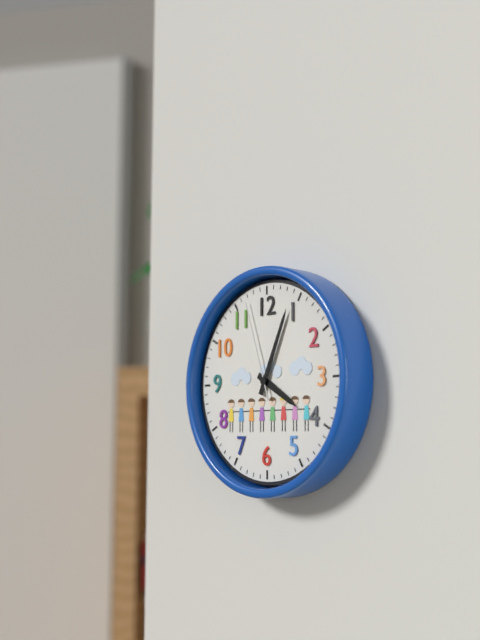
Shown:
4 h 04 min 57 s
